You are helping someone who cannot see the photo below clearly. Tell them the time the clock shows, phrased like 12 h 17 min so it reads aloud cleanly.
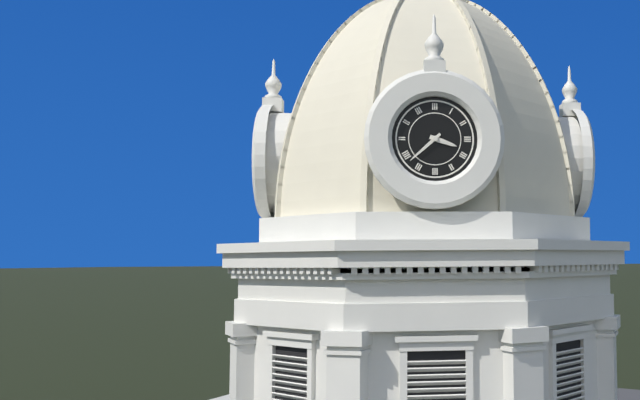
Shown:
3 h 38 min
